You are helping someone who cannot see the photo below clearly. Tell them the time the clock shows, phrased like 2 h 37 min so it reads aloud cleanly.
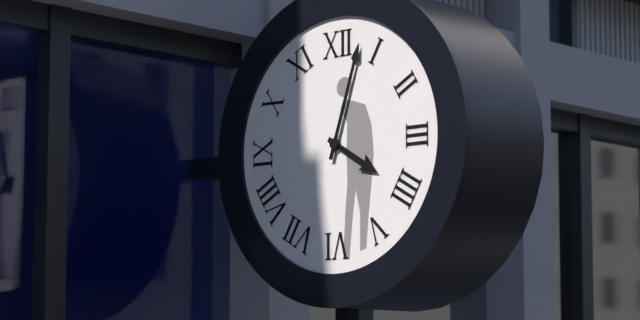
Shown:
4 h 03 min
